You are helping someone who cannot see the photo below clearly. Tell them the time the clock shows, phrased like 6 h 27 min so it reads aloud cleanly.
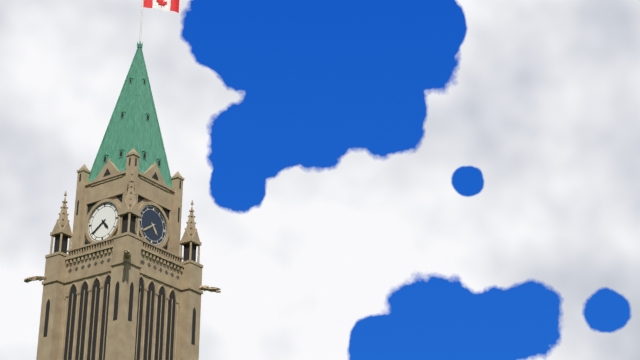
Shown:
4 h 39 min
